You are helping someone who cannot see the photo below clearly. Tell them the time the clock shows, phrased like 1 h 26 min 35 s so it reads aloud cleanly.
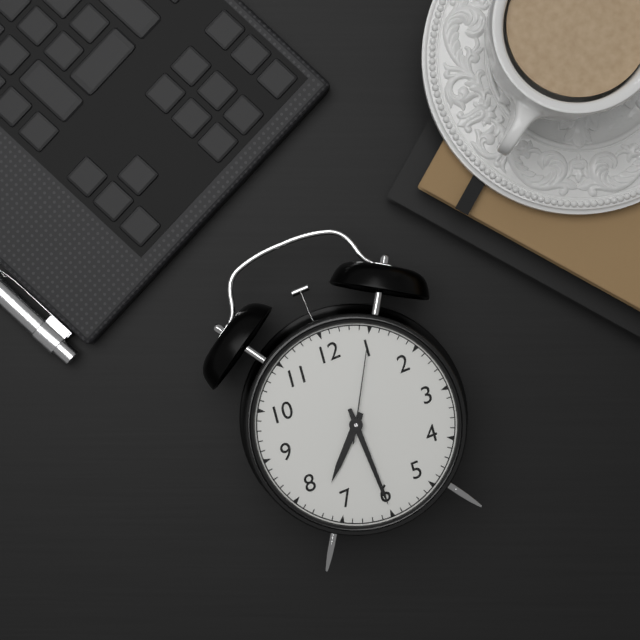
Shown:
7 h 30 min 05 s
